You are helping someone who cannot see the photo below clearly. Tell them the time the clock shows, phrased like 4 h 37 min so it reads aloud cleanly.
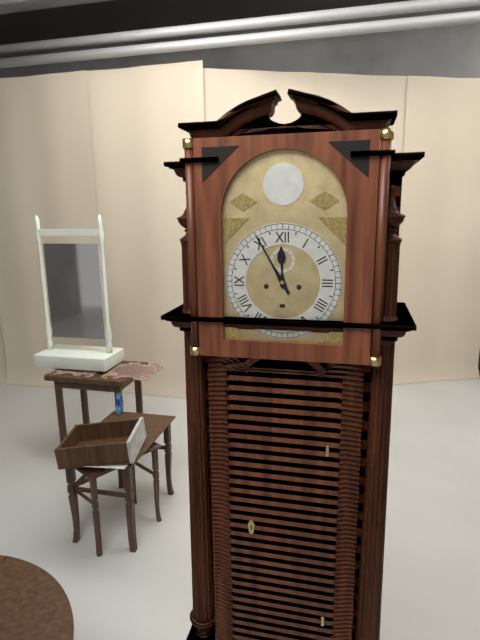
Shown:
11 h 55 min
